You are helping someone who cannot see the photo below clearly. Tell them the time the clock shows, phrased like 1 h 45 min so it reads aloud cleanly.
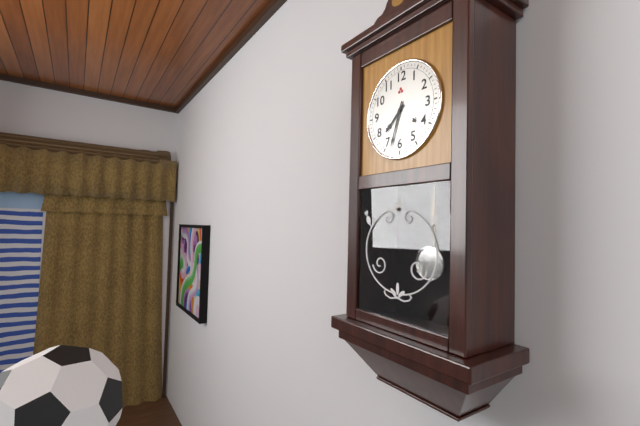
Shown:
7 h 33 min
